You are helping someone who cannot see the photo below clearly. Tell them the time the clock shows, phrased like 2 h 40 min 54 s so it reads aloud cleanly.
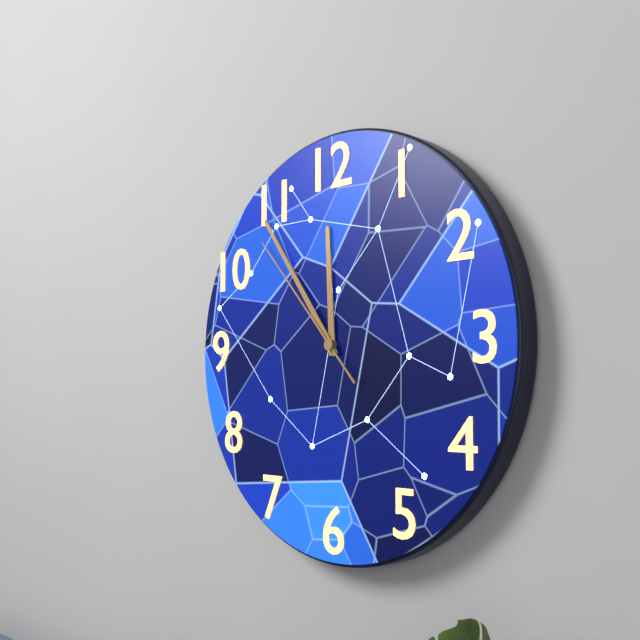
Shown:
11 h 54 min 53 s
